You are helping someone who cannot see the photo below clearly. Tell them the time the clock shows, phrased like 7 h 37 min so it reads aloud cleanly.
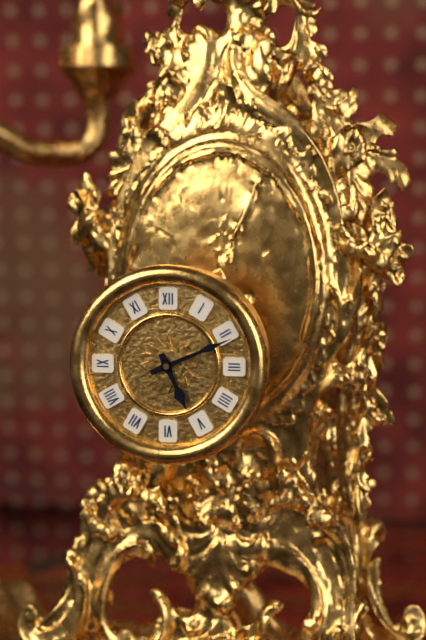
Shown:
5 h 11 min
